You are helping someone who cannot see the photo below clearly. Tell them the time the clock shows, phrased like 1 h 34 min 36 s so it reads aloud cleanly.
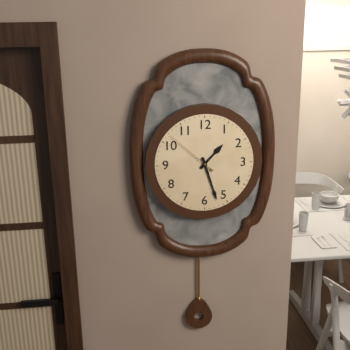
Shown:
1 h 27 min 52 s
